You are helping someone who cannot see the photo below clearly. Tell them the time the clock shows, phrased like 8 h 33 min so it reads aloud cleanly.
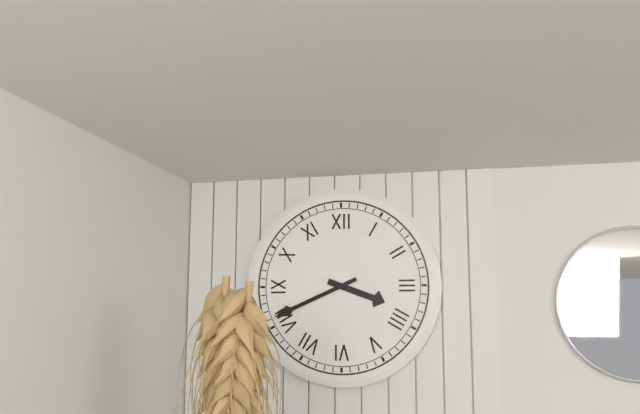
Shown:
3 h 41 min
